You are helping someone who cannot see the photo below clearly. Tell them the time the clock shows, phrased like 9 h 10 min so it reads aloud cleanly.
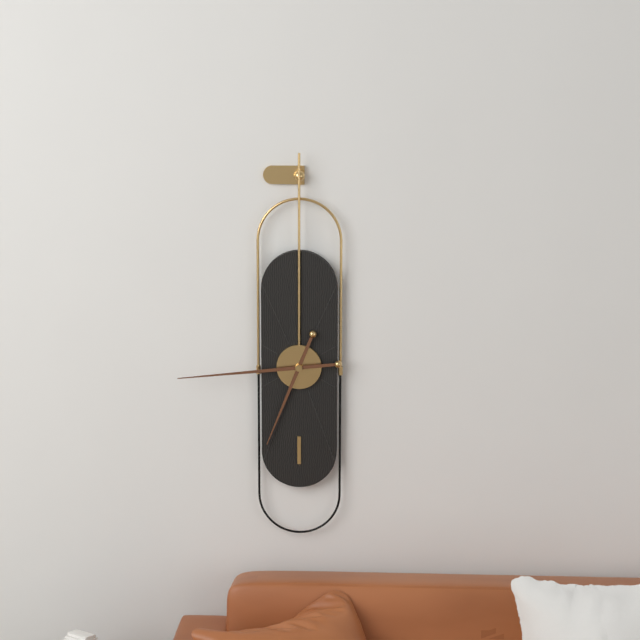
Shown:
6 h 44 min
